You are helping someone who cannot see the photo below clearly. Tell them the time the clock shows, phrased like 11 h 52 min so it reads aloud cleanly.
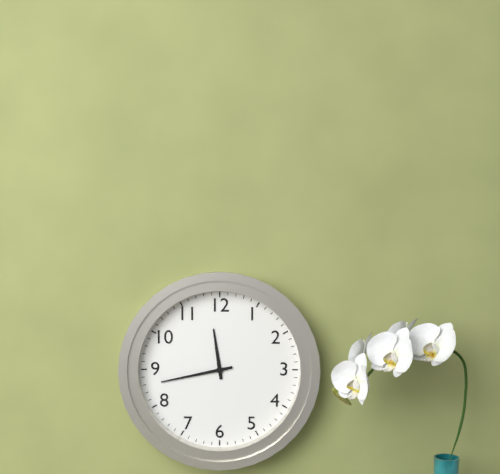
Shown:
11 h 43 min
